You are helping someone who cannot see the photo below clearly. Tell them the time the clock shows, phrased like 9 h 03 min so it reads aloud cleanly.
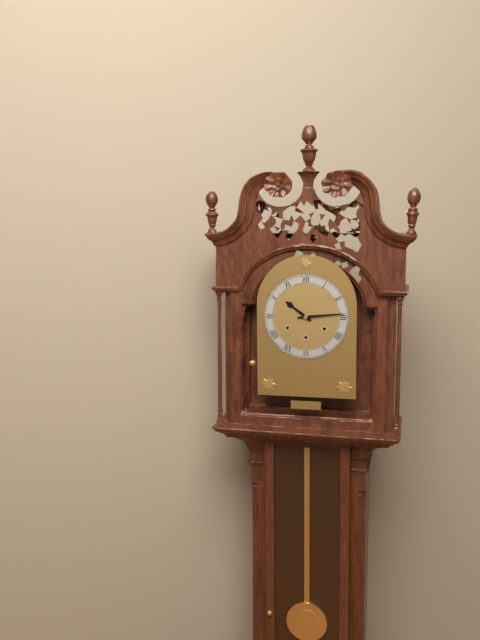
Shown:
10 h 14 min
